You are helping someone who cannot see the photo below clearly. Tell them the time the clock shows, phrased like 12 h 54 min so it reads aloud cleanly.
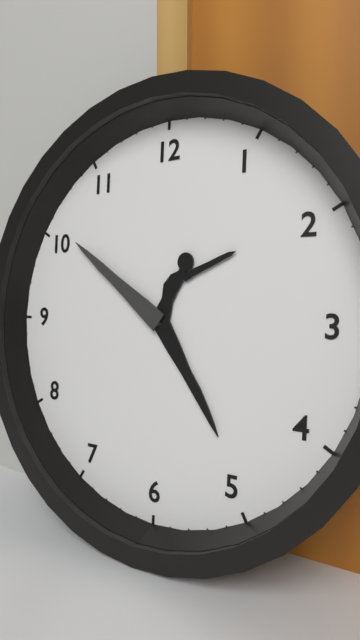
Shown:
4 h 51 min
